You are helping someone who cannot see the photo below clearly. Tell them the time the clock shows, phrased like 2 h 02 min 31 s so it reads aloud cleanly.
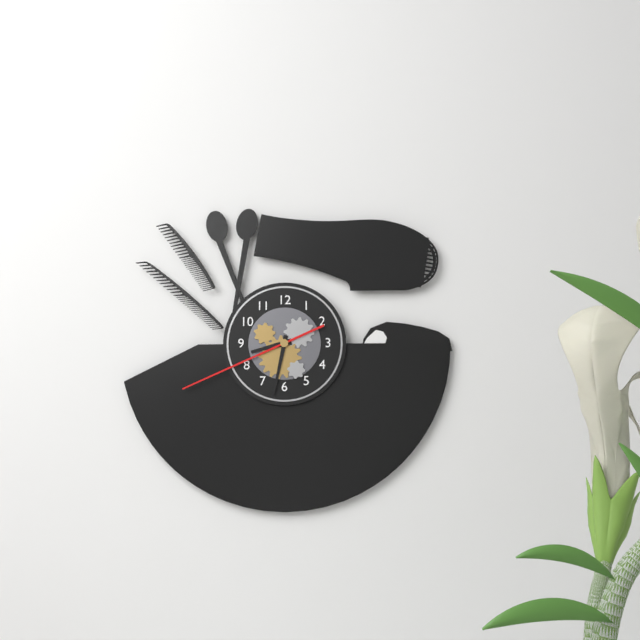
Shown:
8 h 32 min 41 s
